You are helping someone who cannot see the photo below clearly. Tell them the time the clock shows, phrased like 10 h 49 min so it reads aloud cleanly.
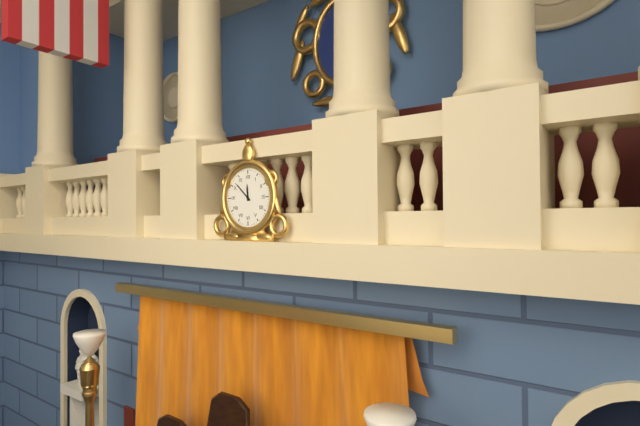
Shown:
11 h 52 min
